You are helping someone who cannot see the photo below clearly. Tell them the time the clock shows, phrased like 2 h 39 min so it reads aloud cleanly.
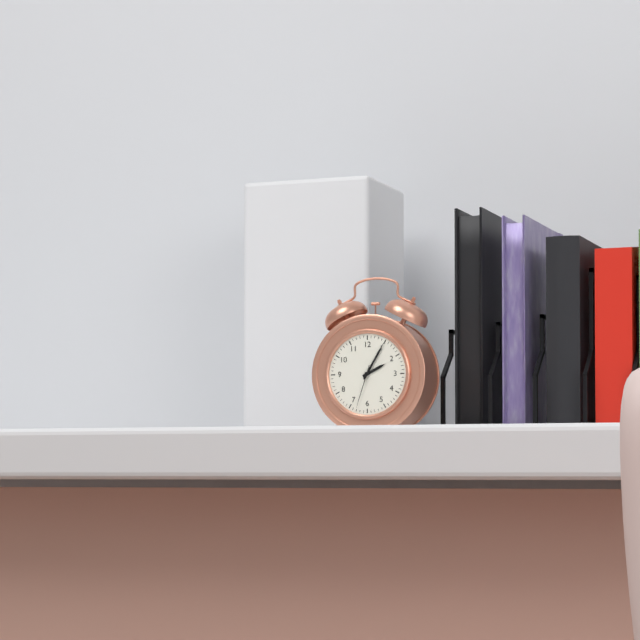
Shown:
2 h 05 min
